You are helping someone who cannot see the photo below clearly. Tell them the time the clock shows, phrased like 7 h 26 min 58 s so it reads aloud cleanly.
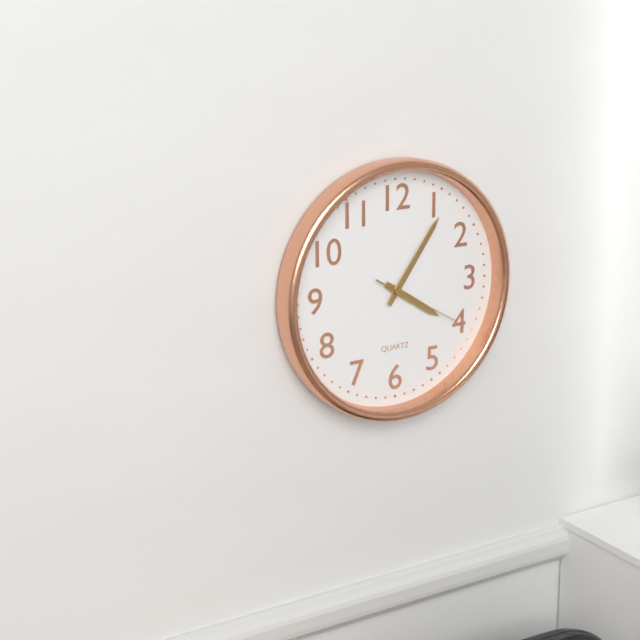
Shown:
4 h 06 min 20 s
